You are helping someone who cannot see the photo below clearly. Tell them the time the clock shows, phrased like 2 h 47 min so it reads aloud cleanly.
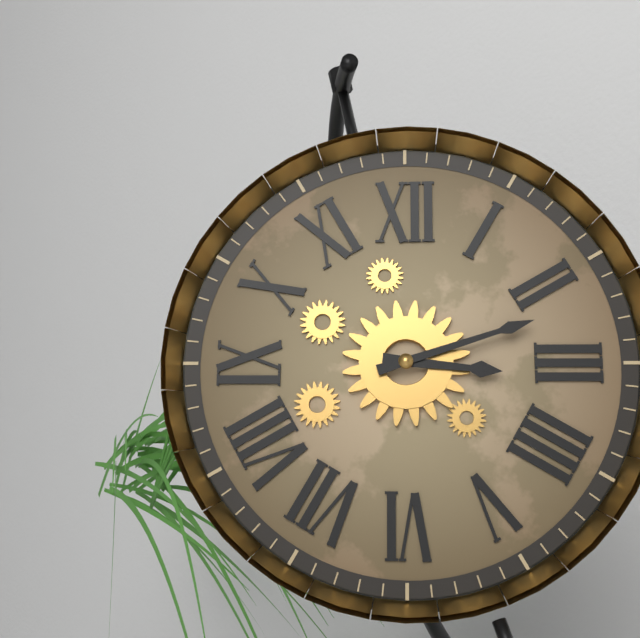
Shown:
3 h 12 min
